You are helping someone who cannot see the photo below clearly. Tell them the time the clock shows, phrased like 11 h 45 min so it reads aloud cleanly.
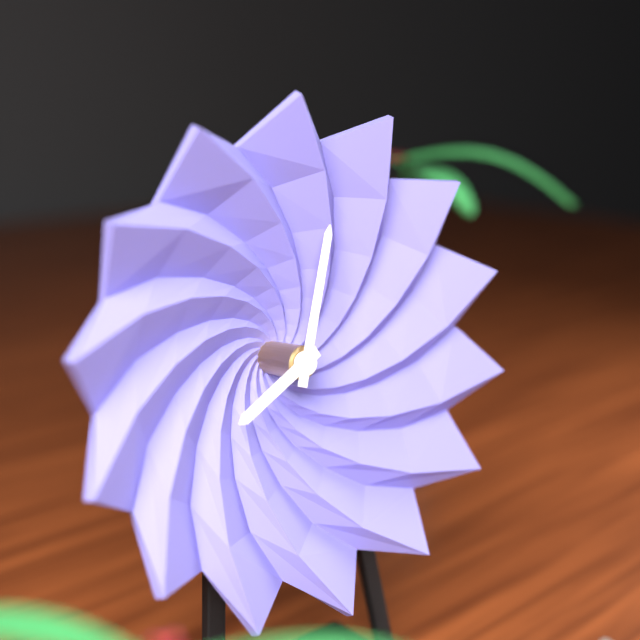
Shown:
8 h 03 min
